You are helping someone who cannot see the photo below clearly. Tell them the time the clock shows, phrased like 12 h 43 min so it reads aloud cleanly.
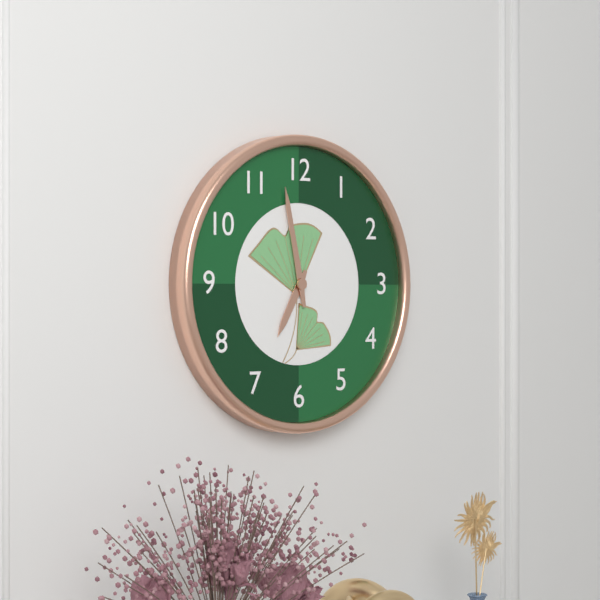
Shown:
6 h 58 min
